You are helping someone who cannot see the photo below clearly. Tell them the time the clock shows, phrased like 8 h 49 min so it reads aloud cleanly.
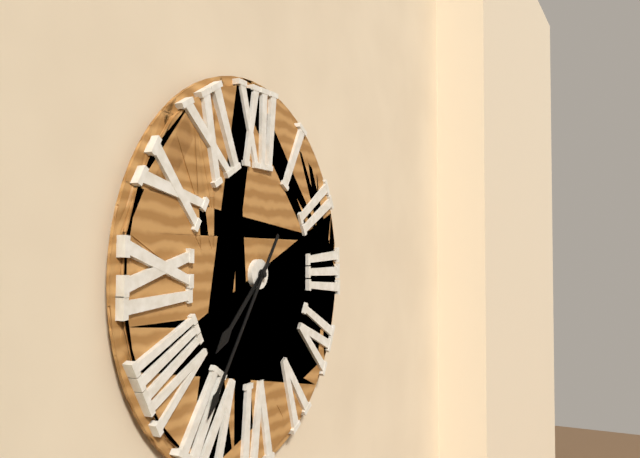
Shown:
7 h 36 min
